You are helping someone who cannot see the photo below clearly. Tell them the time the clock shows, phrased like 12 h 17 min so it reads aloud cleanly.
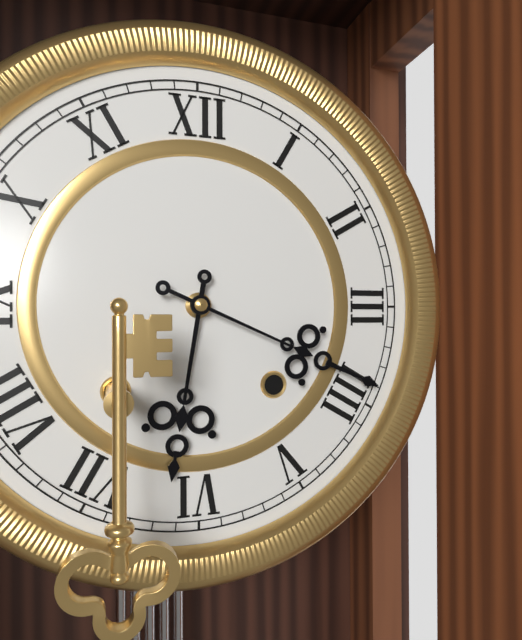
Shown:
6 h 19 min
